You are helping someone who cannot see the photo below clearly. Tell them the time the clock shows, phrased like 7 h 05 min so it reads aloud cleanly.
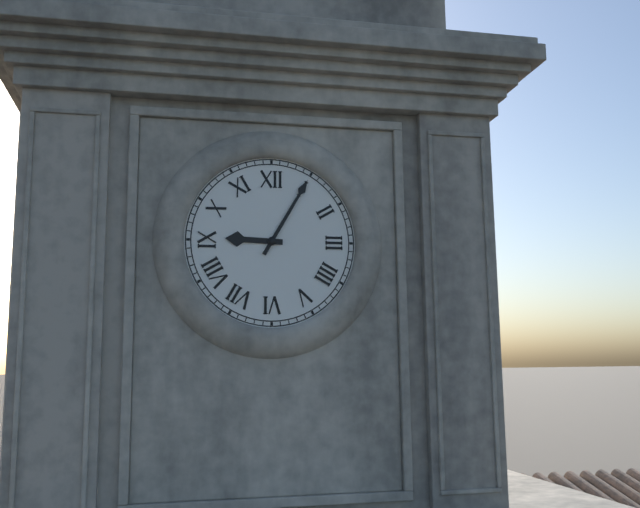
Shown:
9 h 05 min
